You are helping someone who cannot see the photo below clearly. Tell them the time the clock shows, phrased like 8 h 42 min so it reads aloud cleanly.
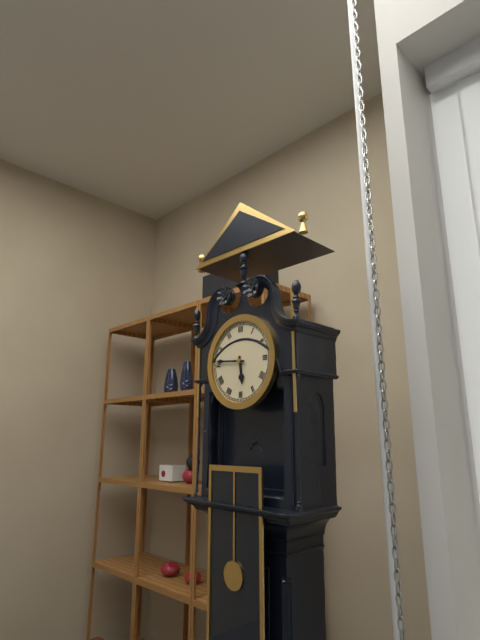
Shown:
5 h 46 min
